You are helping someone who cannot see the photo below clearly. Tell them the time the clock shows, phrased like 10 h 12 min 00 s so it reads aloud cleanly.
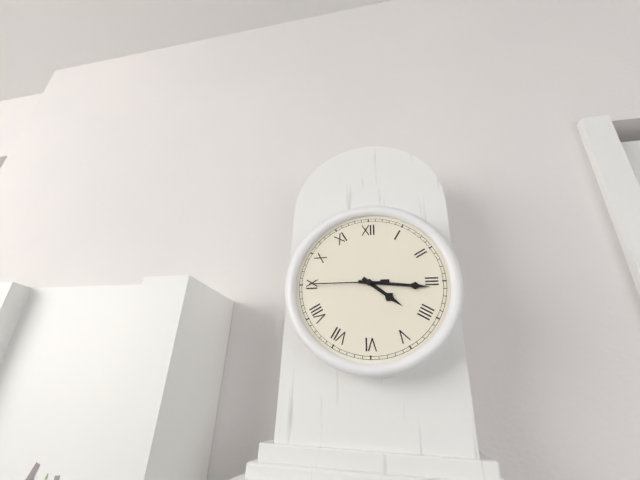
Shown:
4 h 16 min 45 s
